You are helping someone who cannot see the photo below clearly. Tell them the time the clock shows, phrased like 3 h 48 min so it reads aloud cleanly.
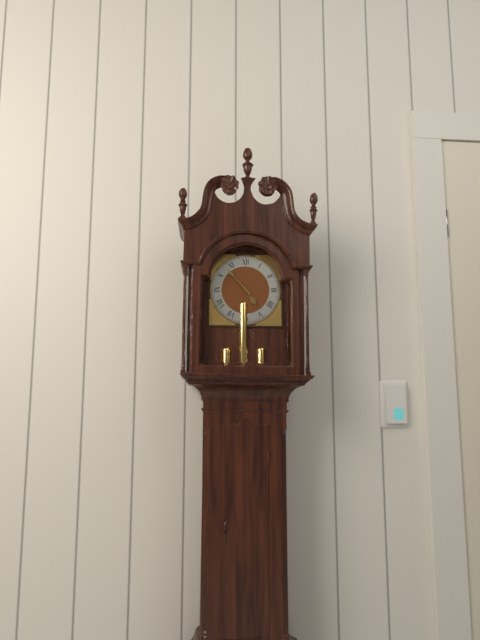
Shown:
4 h 53 min
